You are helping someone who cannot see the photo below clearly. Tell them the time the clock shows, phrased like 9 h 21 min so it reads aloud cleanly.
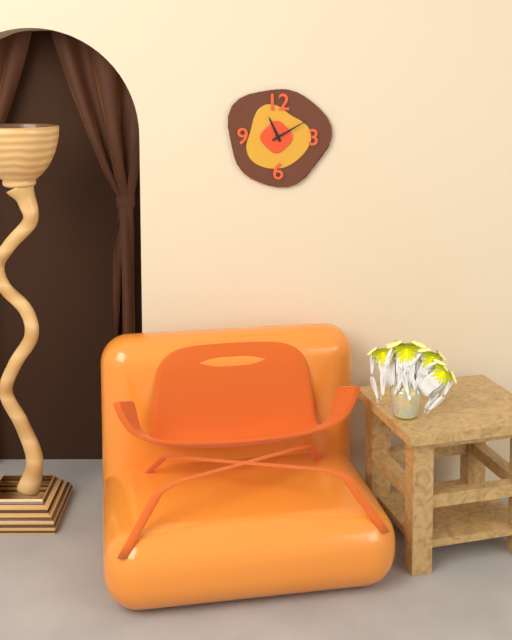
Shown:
11 h 10 min
